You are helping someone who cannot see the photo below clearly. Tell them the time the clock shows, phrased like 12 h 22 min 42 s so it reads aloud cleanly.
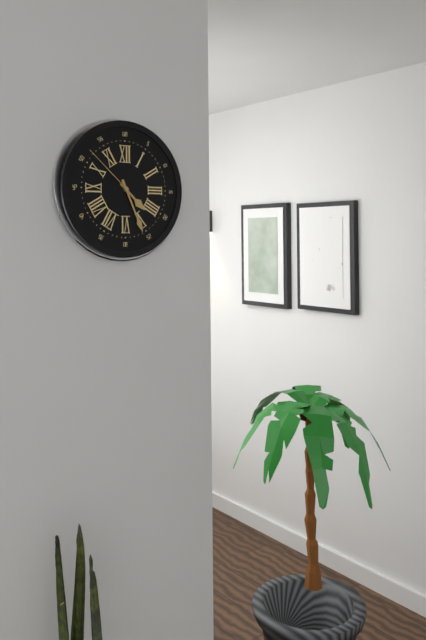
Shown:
4 h 26 min 52 s
